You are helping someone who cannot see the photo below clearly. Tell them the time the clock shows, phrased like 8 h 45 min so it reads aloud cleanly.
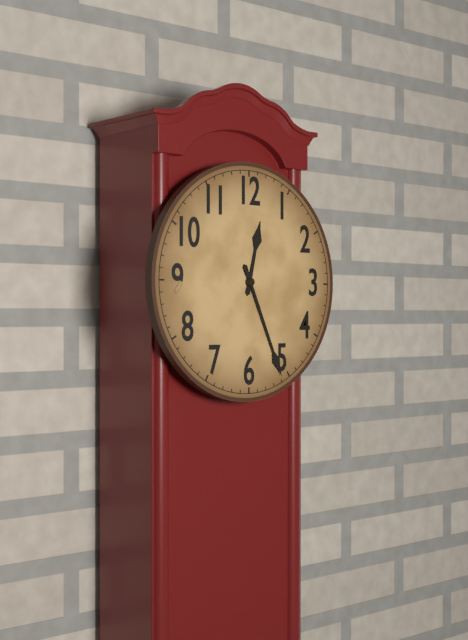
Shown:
12 h 26 min
